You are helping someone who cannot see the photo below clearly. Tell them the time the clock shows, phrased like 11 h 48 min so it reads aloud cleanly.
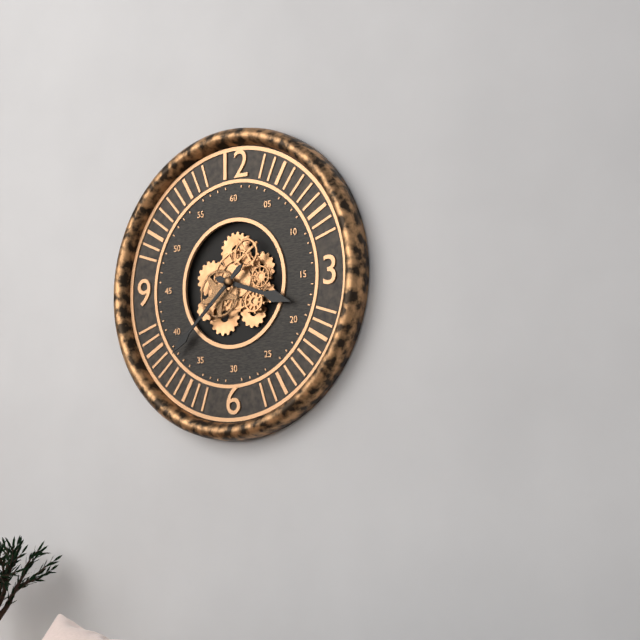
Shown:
3 h 38 min
